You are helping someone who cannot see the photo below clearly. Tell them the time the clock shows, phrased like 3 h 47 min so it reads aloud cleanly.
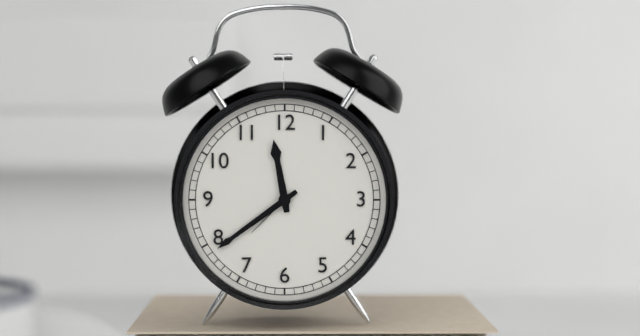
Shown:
11 h 39 min
